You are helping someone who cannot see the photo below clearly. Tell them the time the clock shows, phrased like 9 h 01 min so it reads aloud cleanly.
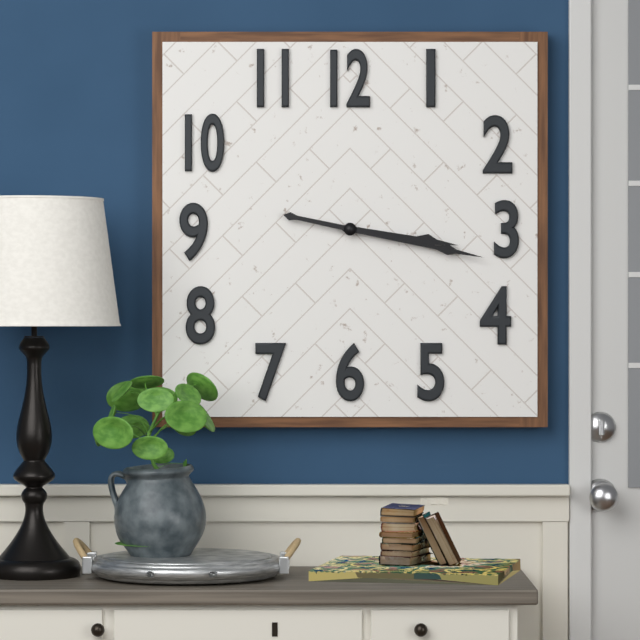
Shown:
3 h 17 min
